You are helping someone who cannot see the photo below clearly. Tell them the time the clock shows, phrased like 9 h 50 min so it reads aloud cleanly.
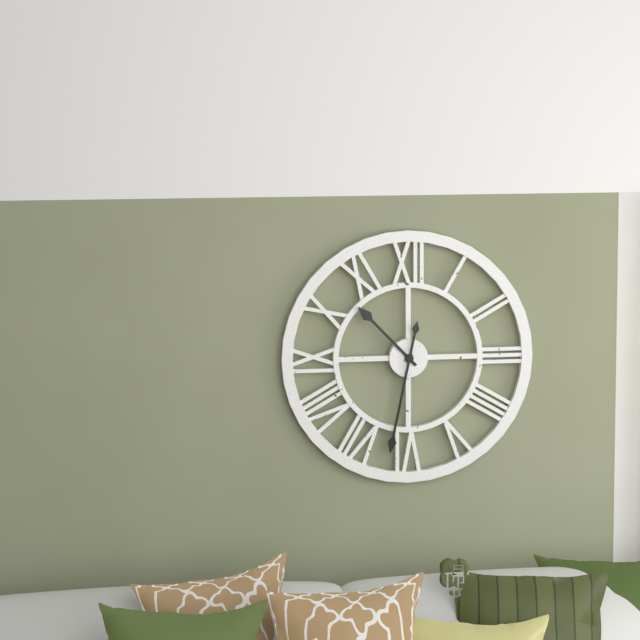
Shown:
10 h 32 min
